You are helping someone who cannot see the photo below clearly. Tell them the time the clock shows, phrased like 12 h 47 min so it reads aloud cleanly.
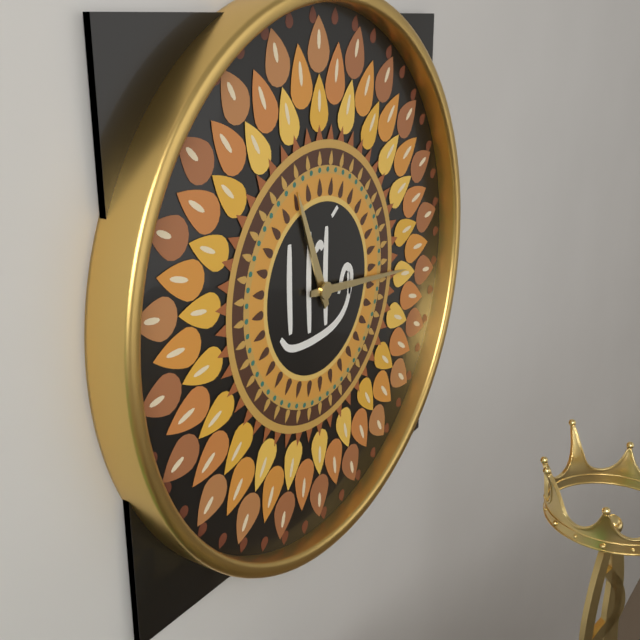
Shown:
11 h 16 min
